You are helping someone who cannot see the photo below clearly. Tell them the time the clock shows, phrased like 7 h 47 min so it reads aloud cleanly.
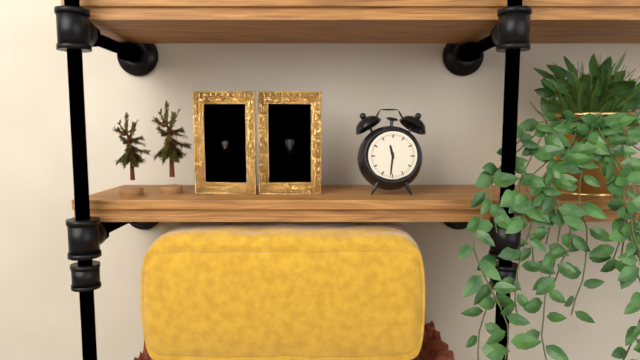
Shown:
11 h 31 min
